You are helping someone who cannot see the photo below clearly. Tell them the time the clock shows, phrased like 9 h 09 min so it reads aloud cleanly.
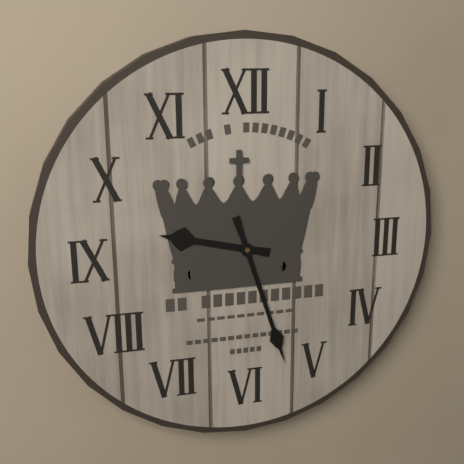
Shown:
9 h 27 min
